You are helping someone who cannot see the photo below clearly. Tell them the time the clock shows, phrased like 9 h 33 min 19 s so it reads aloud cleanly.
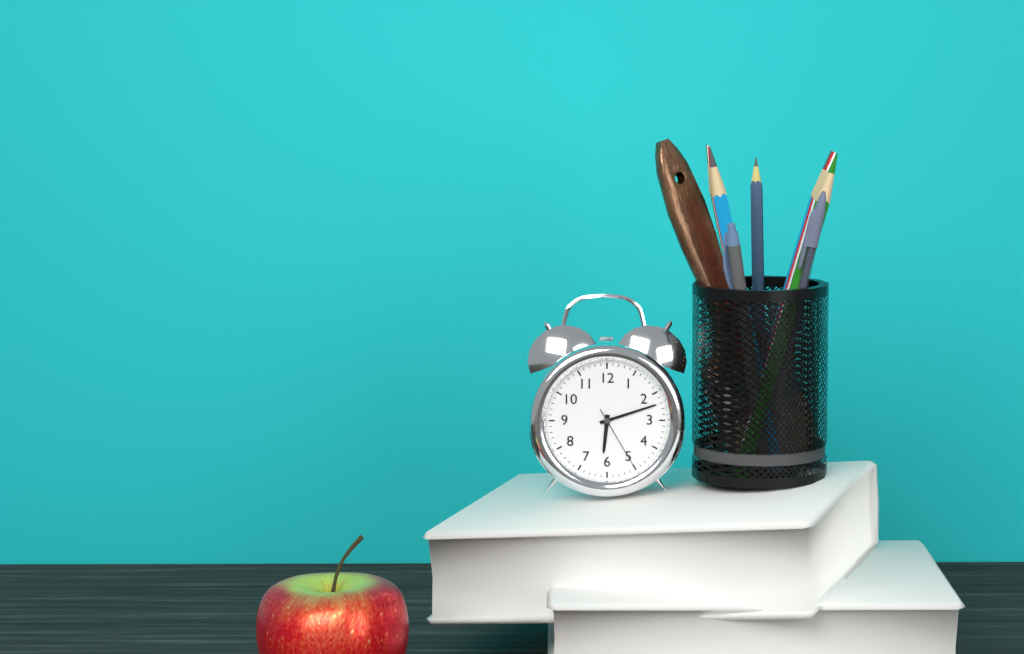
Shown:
6 h 12 min 25 s
